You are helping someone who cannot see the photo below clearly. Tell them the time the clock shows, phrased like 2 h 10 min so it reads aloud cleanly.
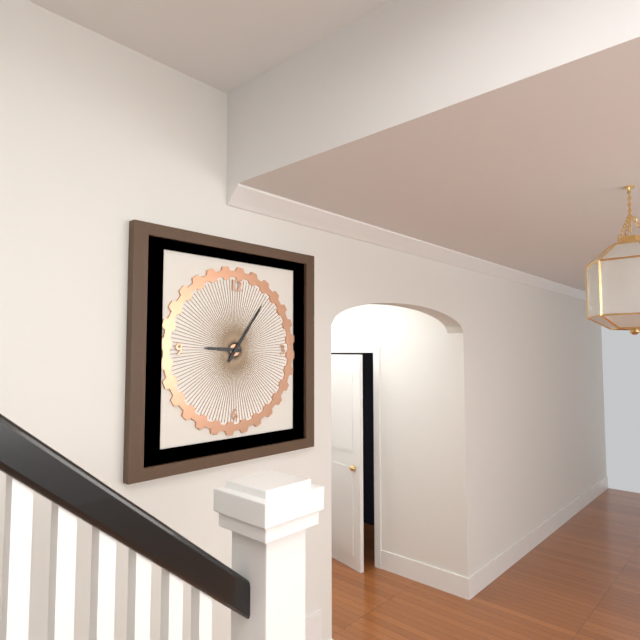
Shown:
9 h 06 min
